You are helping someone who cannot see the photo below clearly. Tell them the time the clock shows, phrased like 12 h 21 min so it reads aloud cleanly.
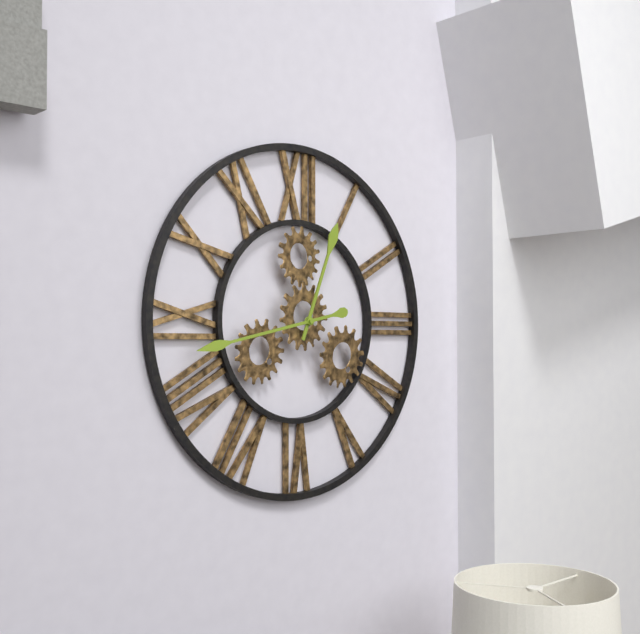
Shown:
12 h 43 min
